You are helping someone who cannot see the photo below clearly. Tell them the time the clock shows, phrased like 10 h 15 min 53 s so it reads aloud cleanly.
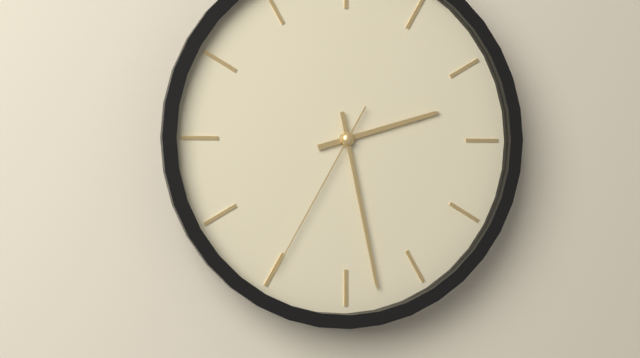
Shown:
2 h 28 min 35 s
